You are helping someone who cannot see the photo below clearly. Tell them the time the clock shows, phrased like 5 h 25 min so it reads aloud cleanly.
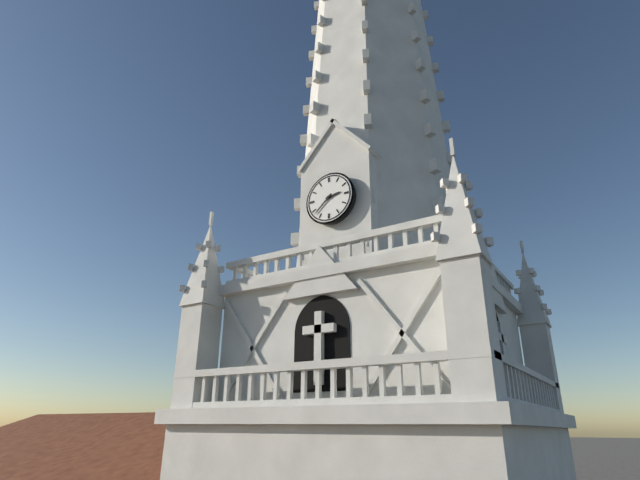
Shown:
2 h 38 min
